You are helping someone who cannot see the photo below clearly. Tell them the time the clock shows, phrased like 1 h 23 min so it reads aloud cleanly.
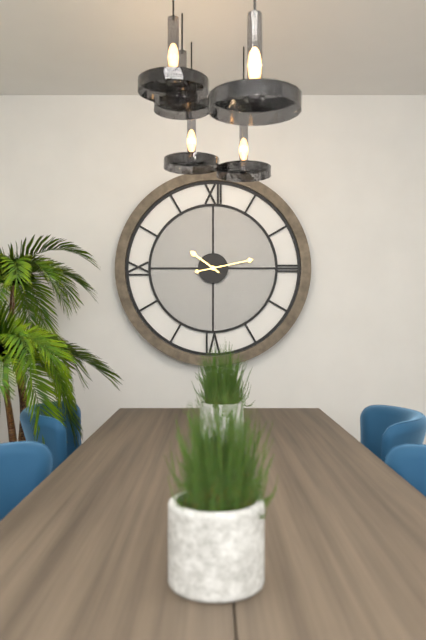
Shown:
10 h 13 min
